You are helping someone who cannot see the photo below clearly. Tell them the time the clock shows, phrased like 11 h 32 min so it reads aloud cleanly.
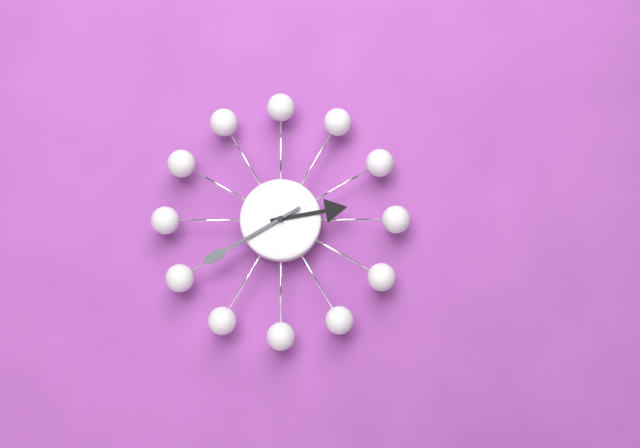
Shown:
2 h 40 min
